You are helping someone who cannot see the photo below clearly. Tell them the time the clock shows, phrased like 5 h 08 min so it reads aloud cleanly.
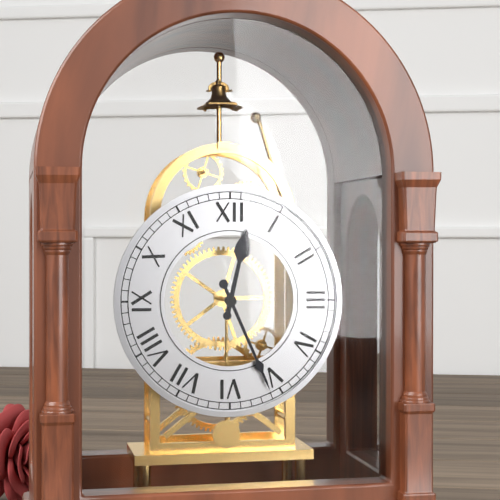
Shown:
12 h 26 min
